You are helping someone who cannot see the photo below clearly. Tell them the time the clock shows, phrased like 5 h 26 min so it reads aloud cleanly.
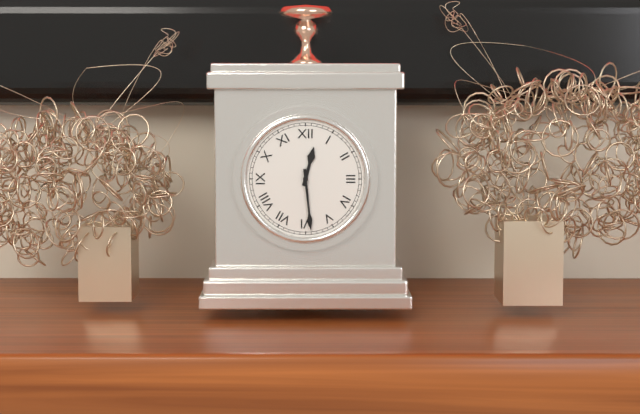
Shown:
12 h 29 min
